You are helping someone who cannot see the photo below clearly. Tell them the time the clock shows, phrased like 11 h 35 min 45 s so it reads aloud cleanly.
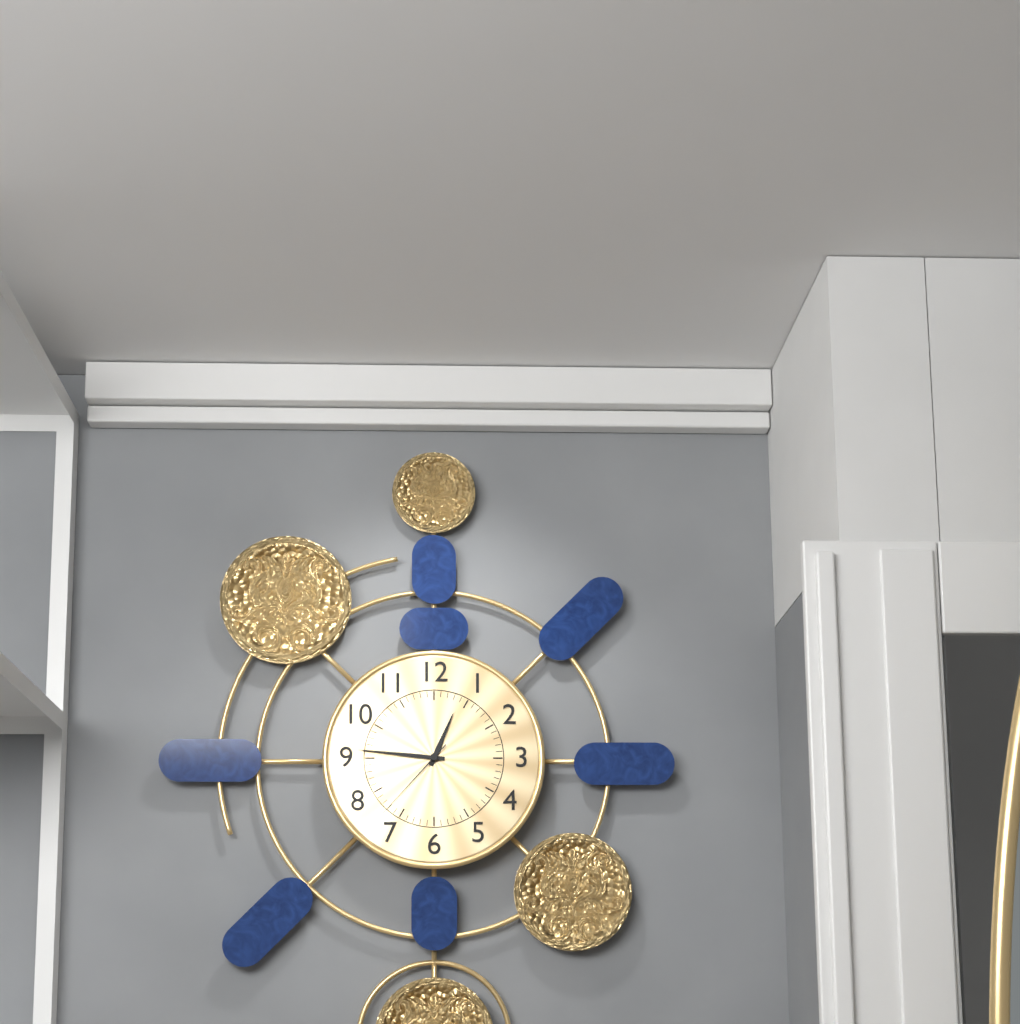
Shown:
12 h 46 min 37 s
